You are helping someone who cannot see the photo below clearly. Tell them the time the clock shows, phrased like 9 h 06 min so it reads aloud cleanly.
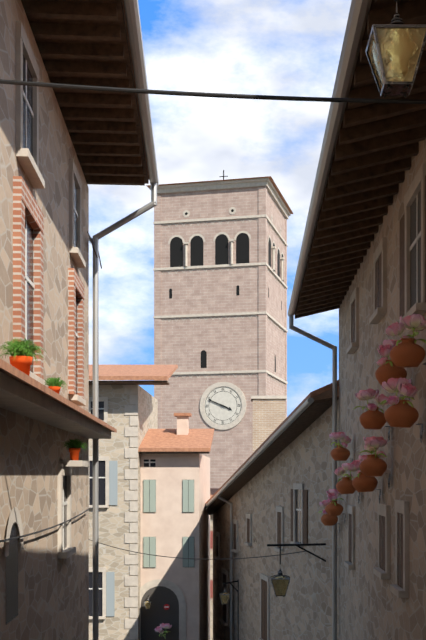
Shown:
3 h 49 min
